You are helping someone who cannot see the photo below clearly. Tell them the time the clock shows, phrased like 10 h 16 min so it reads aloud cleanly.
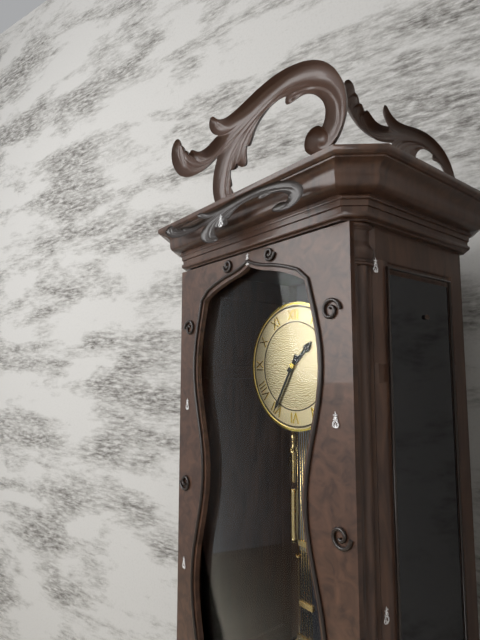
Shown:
1 h 35 min
